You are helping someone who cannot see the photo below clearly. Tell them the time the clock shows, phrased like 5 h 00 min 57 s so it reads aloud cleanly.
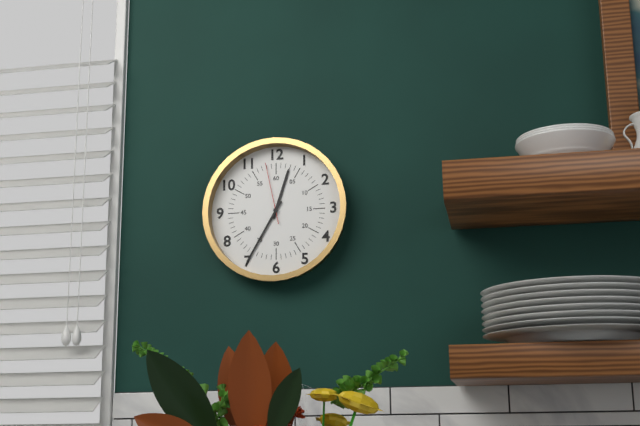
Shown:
12 h 35 min 58 s
